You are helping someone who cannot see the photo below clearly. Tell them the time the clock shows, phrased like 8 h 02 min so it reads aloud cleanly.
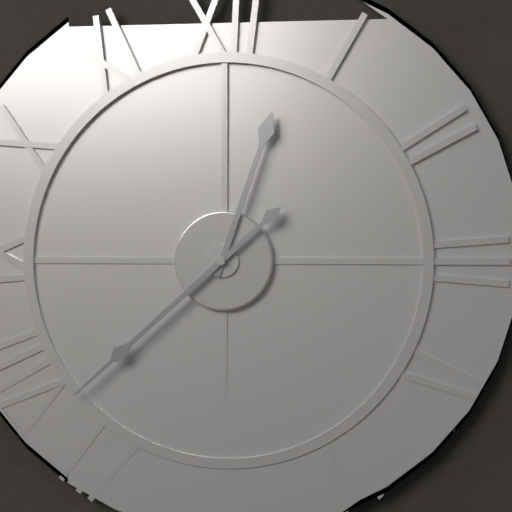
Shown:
12 h 38 min
